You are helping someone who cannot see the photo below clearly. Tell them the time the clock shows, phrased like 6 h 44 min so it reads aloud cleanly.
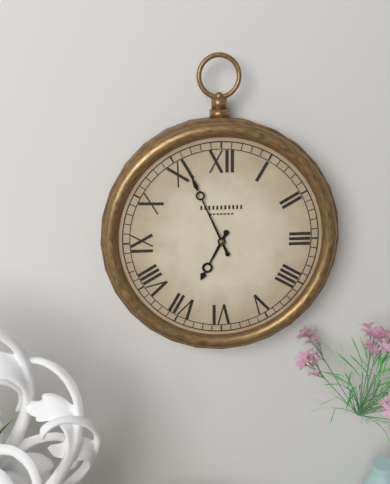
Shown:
6 h 56 min
